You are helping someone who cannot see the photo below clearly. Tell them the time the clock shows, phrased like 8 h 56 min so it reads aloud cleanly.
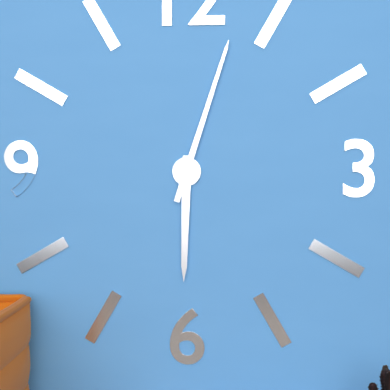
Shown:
6 h 03 min
